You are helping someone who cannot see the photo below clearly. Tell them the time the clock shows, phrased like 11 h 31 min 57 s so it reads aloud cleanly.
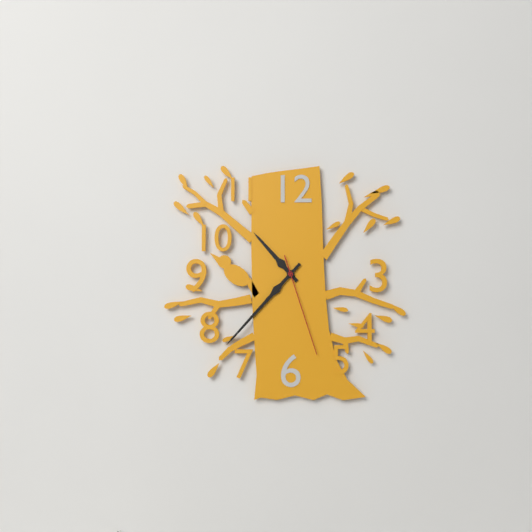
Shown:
10 h 37 min 27 s
